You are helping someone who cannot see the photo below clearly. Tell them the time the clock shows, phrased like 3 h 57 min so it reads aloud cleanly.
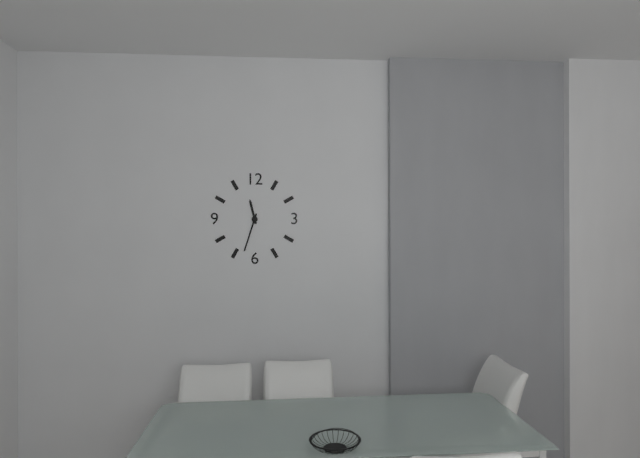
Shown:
11 h 33 min
